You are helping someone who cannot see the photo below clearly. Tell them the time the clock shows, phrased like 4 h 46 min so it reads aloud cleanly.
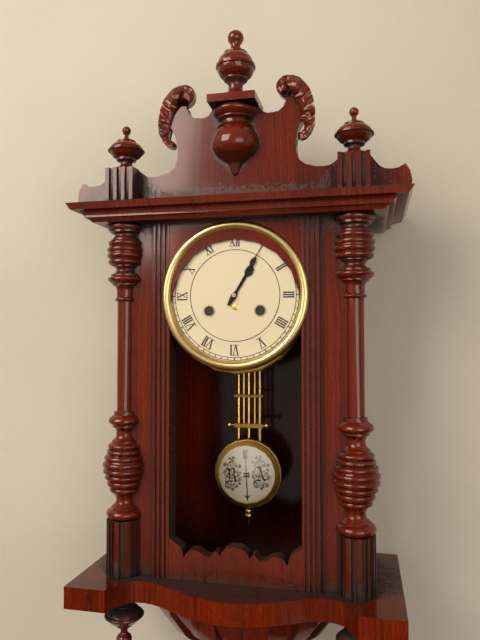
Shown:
1 h 05 min
